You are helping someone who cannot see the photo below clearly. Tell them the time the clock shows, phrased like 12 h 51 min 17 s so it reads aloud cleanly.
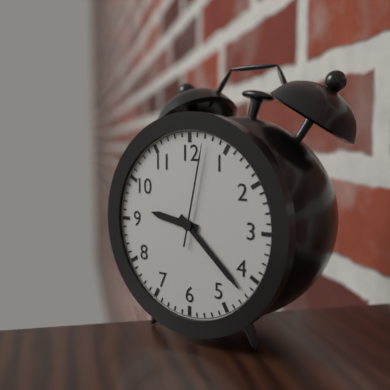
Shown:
9 h 22 min 02 s
